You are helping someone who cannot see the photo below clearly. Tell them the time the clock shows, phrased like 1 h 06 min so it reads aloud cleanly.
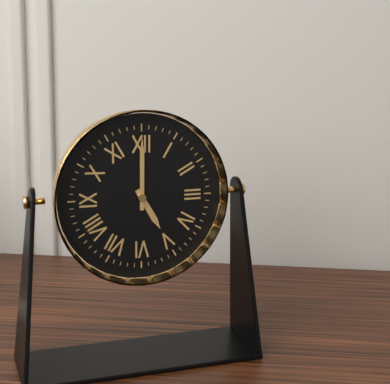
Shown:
5 h 00 min
